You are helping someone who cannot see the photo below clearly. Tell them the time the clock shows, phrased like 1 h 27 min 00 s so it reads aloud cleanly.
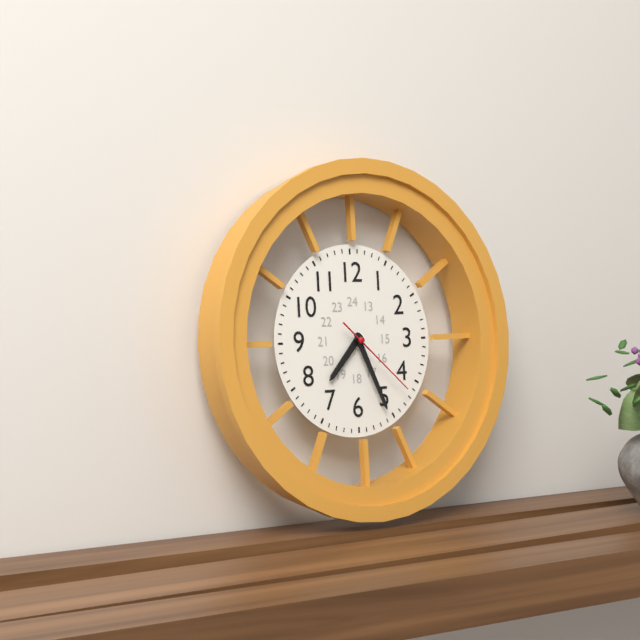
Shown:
7 h 26 min 22 s
